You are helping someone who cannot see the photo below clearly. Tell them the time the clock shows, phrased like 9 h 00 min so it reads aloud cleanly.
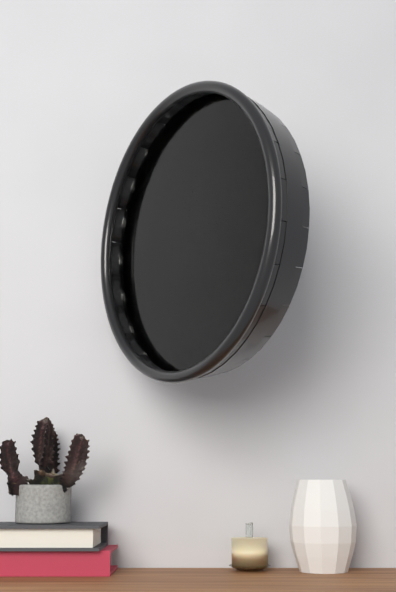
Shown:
3 h 23 min
